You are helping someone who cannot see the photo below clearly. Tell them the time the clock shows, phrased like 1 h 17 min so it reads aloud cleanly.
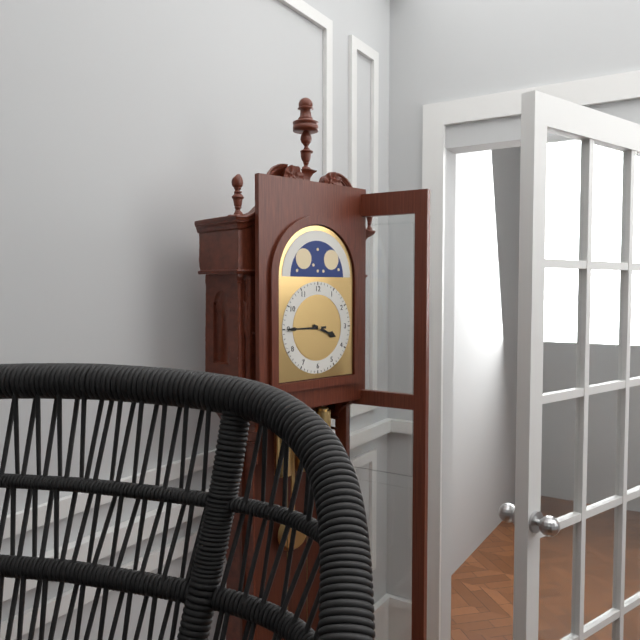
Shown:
3 h 45 min
